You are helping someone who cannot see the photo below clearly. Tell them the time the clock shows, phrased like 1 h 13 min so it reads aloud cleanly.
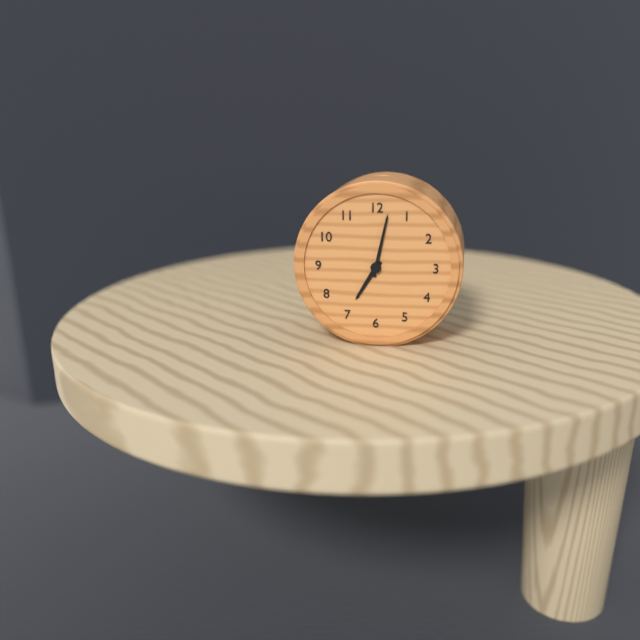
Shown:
7 h 02 min
